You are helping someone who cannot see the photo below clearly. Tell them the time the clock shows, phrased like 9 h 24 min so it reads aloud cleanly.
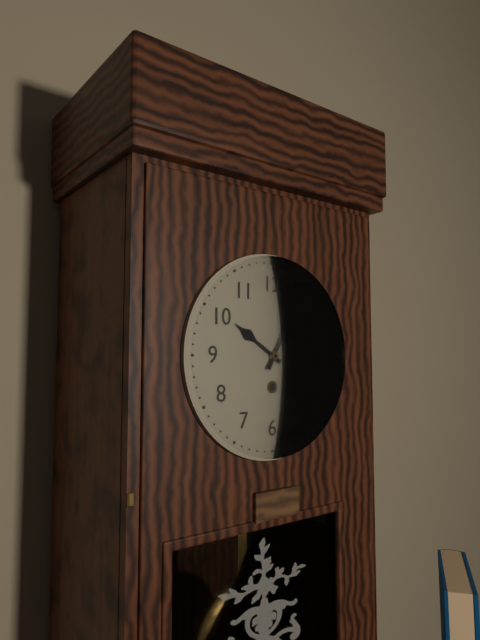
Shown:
10 h 05 min
